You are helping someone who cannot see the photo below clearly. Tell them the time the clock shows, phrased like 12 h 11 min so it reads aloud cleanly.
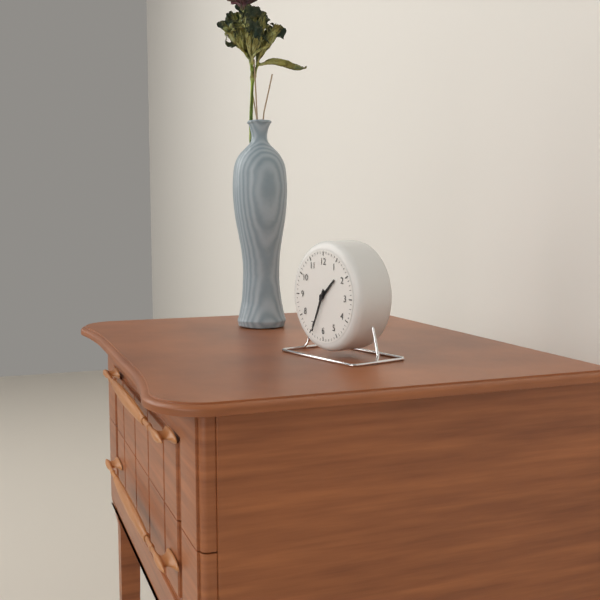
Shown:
1 h 34 min
